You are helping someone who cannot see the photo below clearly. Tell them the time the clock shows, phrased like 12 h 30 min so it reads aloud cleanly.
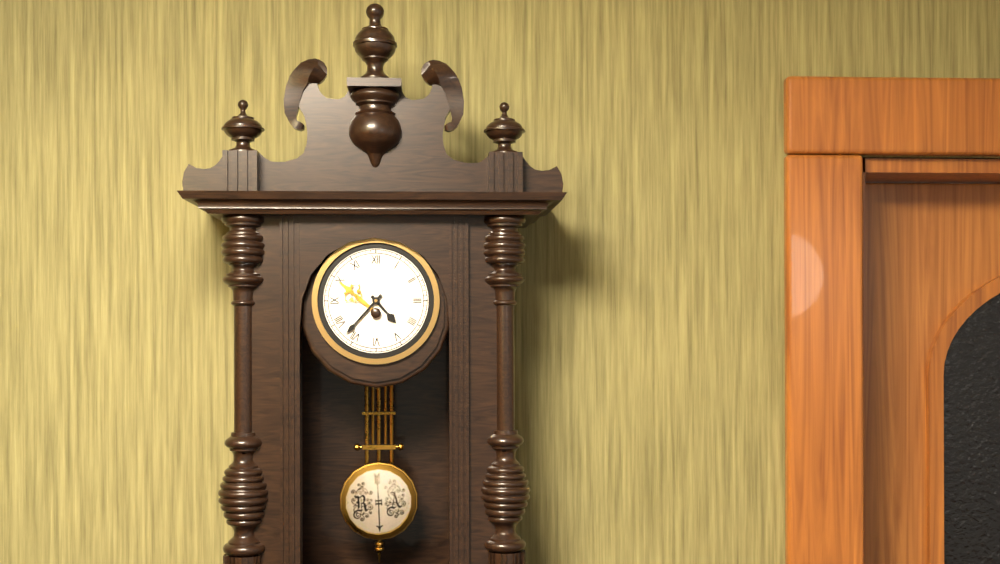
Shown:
4 h 37 min
